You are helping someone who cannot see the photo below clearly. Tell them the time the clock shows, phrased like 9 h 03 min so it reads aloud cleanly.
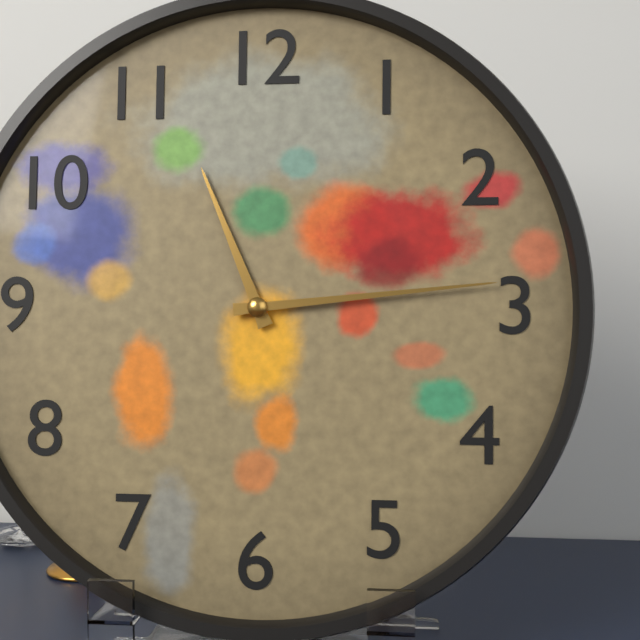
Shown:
11 h 14 min
